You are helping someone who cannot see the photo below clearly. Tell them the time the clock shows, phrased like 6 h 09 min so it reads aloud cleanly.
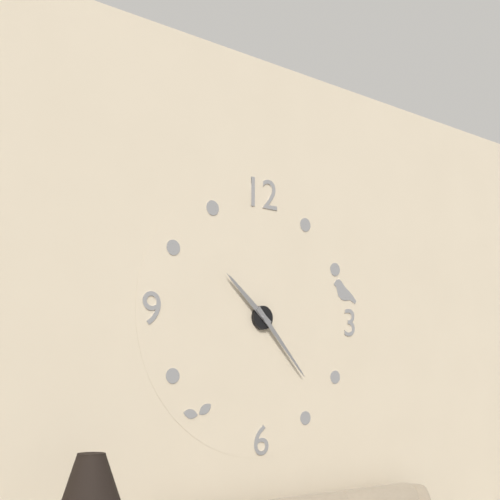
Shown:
10 h 23 min
